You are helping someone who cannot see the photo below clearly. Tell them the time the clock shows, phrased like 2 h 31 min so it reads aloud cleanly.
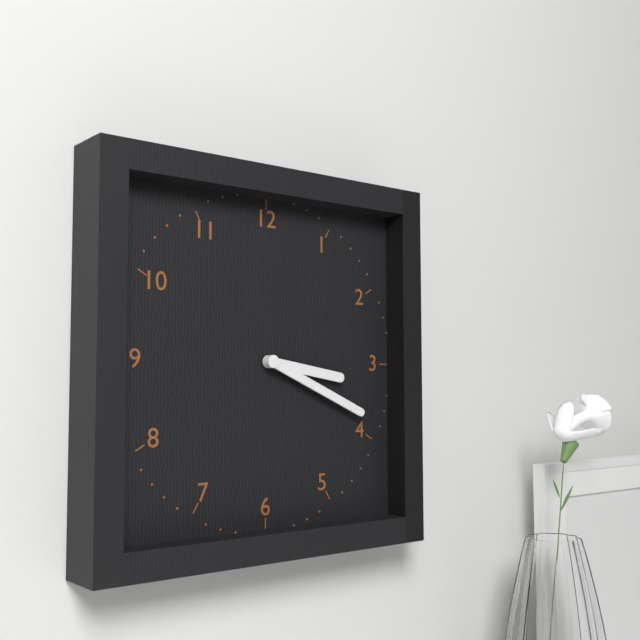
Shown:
3 h 19 min
